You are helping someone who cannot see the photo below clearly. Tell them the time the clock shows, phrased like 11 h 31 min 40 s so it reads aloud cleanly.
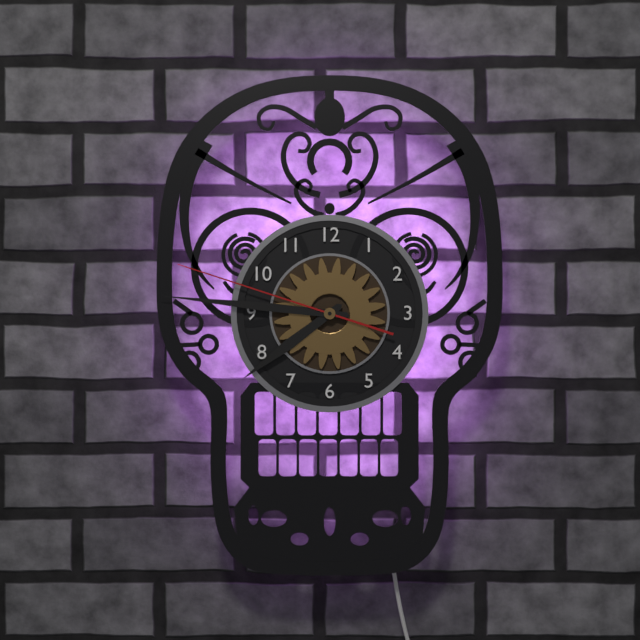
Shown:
7 h 46 min 48 s
